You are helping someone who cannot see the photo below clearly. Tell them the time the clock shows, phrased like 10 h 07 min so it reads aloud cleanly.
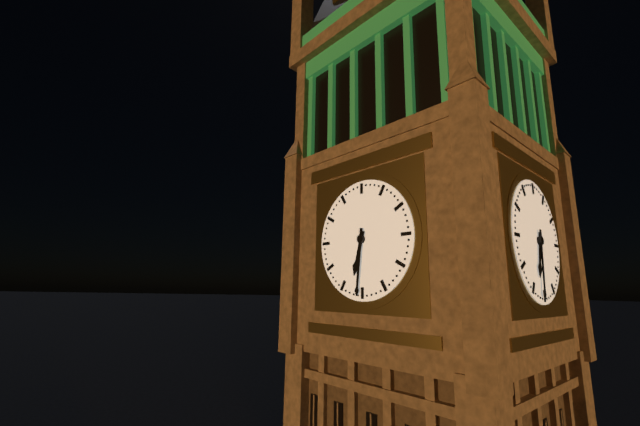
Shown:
6 h 31 min
